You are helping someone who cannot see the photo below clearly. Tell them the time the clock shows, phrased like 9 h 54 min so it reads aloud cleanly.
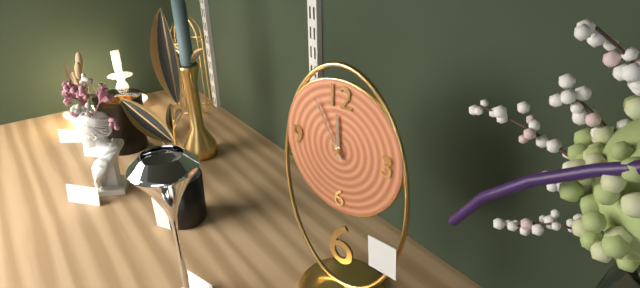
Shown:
11 h 55 min
